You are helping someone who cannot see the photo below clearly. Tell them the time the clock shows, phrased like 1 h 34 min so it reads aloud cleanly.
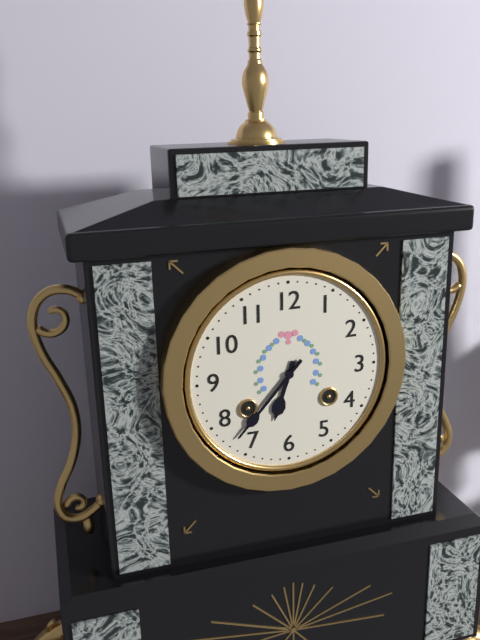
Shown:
6 h 37 min
